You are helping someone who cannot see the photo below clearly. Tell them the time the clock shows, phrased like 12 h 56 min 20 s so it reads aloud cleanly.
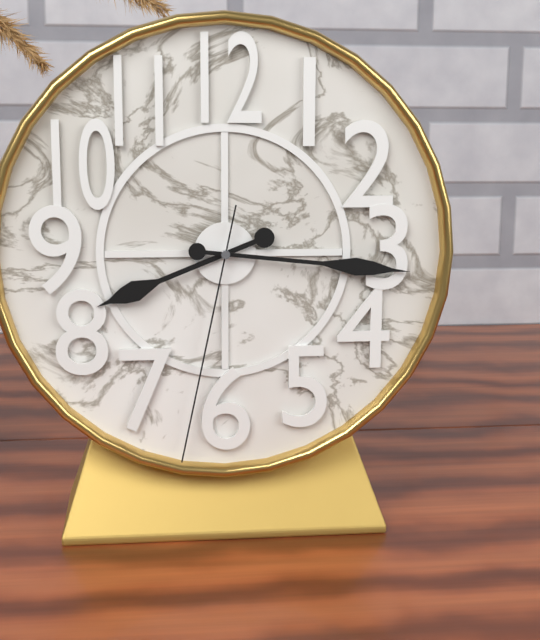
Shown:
8 h 16 min 32 s
